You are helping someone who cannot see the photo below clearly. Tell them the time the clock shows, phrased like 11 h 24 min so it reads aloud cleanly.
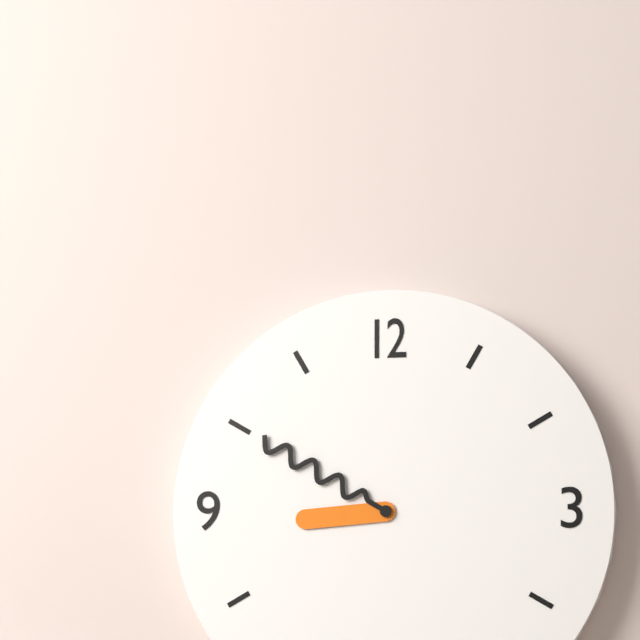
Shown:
8 h 50 min
